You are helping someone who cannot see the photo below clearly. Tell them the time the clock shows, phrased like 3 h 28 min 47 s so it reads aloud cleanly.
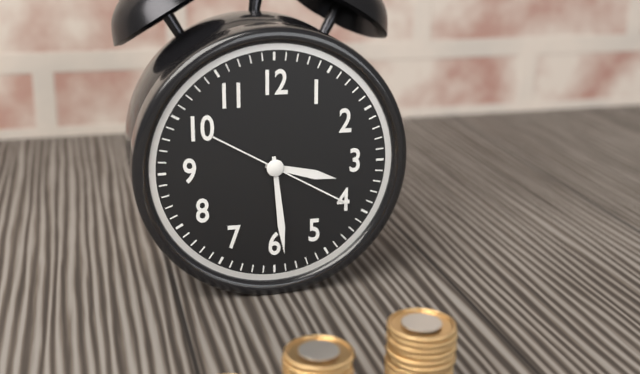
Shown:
3 h 29 min 20 s
